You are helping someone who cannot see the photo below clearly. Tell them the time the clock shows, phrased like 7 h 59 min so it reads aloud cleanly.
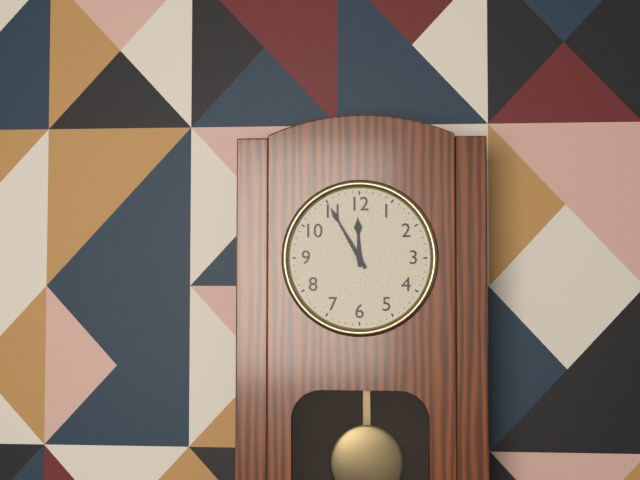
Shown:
11 h 55 min
